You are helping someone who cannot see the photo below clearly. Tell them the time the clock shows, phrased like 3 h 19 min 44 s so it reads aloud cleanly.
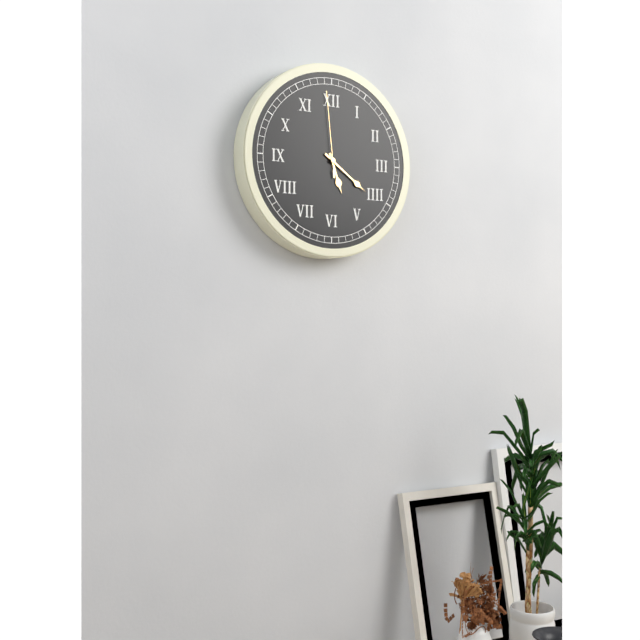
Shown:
5 h 21 min 59 s
